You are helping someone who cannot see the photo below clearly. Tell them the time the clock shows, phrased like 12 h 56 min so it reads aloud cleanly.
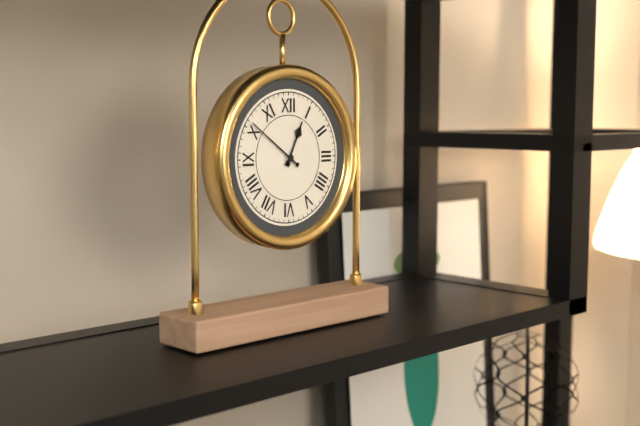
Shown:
12 h 51 min
